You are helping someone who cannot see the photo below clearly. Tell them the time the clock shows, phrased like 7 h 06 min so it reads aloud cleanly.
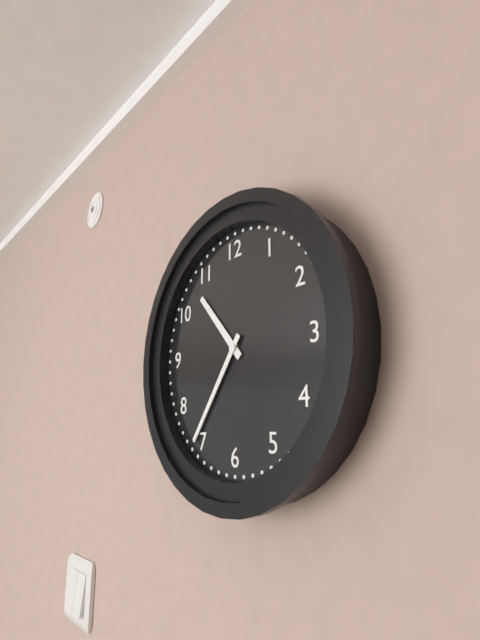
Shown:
10 h 36 min
